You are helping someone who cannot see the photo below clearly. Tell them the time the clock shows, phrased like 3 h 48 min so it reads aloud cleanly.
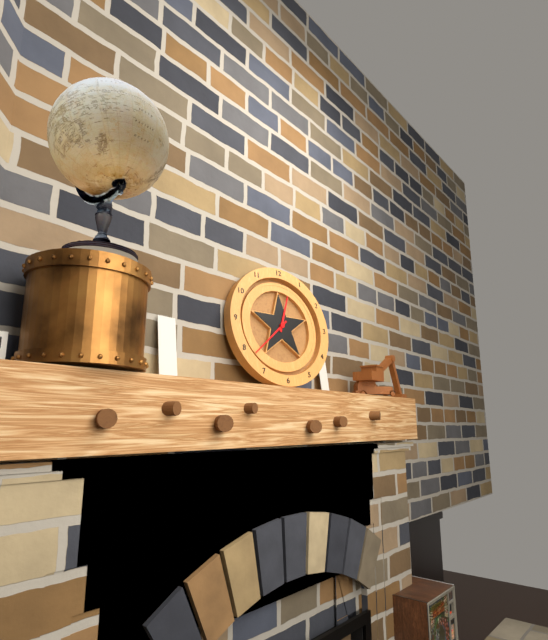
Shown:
12 h 38 min
